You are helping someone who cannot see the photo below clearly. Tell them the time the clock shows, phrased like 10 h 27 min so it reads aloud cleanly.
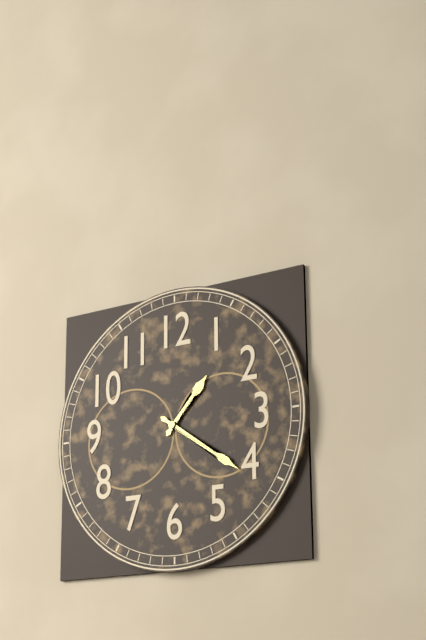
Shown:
1 h 21 min
